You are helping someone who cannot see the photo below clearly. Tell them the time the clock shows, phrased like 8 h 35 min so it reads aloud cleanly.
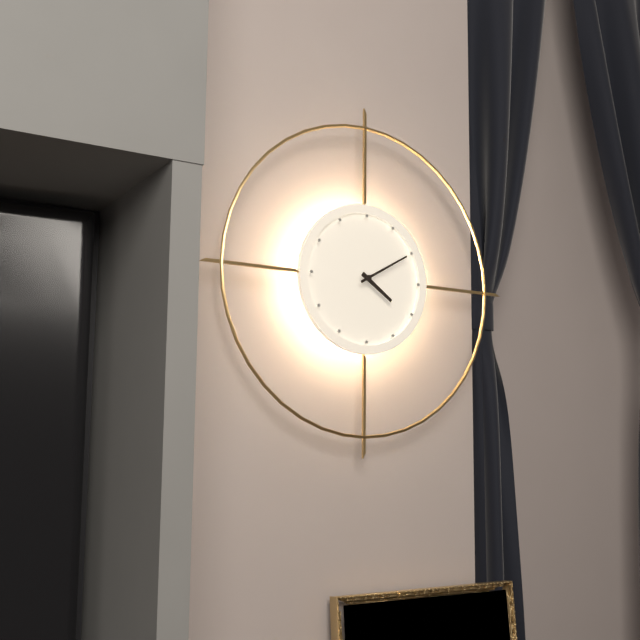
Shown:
4 h 10 min
